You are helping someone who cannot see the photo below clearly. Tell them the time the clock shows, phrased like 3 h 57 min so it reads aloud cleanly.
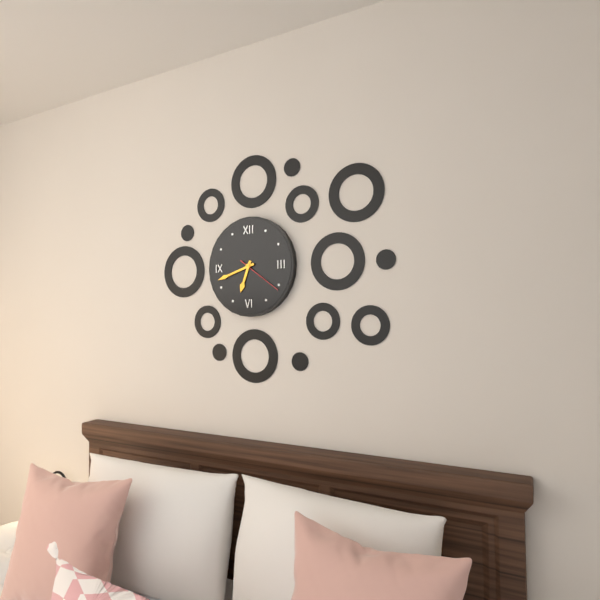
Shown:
6 h 42 min
